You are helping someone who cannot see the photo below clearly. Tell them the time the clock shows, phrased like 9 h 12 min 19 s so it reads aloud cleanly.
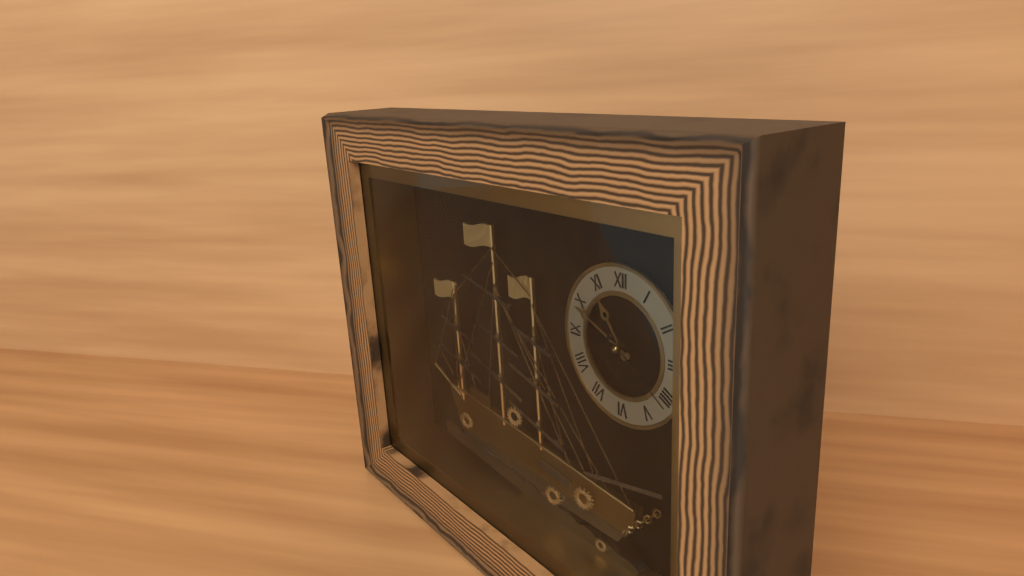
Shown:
10 h 49 min 21 s
